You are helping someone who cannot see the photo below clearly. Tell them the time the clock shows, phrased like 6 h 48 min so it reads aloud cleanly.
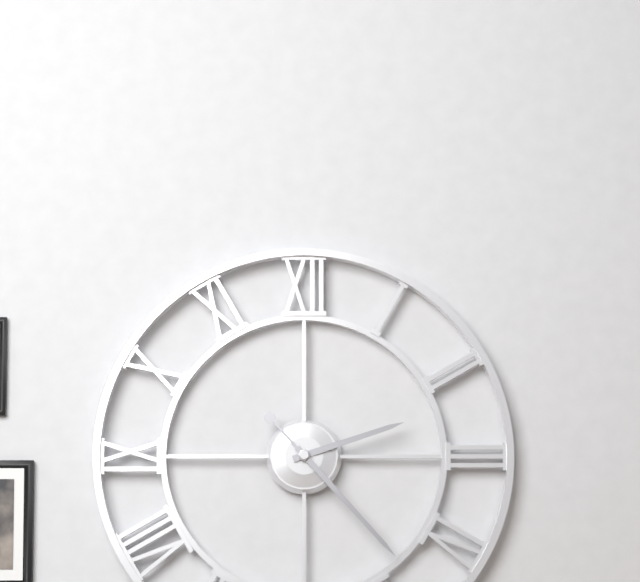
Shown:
2 h 23 min
